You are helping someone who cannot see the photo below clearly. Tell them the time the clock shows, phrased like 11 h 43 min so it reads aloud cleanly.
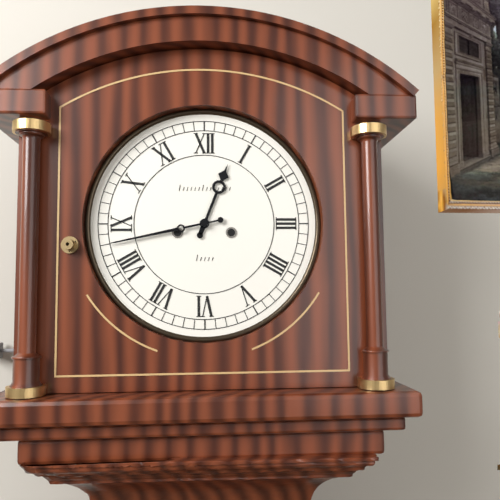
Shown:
12 h 43 min
